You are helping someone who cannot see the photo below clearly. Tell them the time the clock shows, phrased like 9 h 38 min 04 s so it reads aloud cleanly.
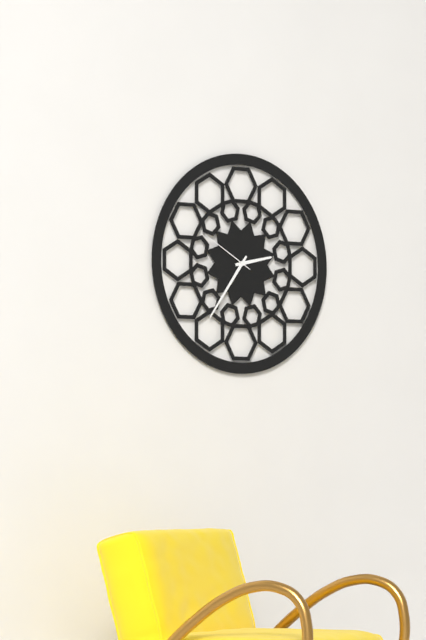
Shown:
2 h 36 min 50 s
